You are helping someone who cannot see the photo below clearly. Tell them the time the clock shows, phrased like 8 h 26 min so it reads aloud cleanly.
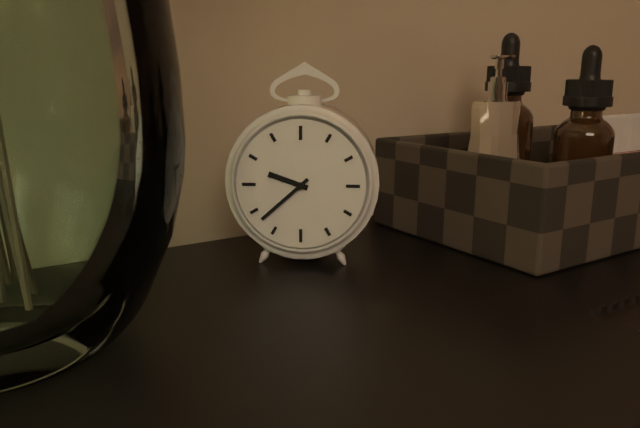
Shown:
9 h 38 min
